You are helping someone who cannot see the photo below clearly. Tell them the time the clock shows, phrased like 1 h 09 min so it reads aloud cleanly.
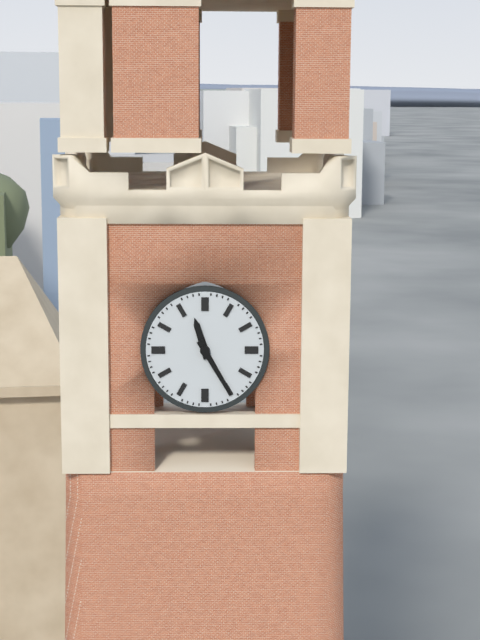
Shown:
11 h 25 min
